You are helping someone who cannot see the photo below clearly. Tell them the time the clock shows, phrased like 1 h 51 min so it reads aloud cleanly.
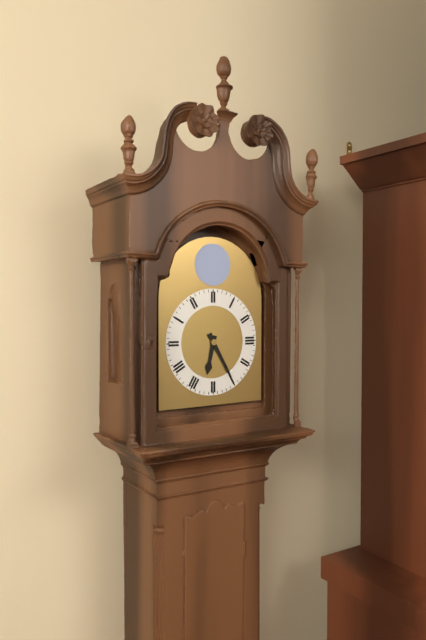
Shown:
6 h 25 min
